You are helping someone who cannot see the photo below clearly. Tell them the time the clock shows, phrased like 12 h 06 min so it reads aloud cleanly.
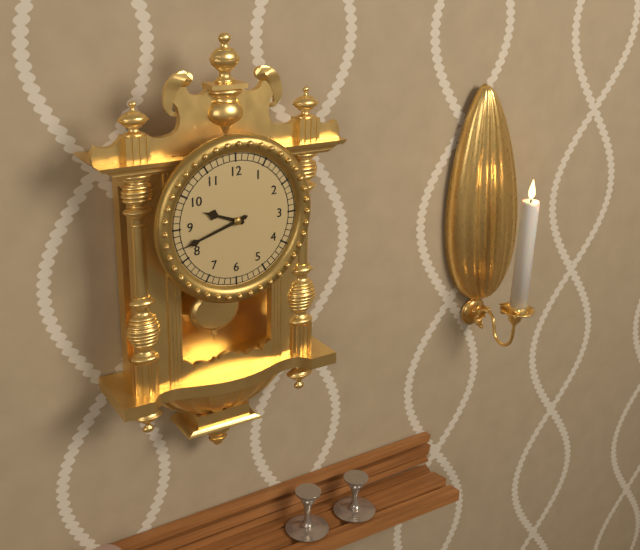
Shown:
9 h 42 min
